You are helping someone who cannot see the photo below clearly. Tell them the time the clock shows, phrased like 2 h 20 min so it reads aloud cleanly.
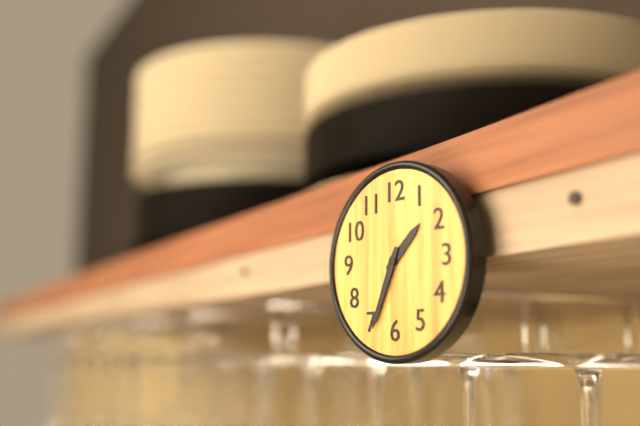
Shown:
1 h 34 min
